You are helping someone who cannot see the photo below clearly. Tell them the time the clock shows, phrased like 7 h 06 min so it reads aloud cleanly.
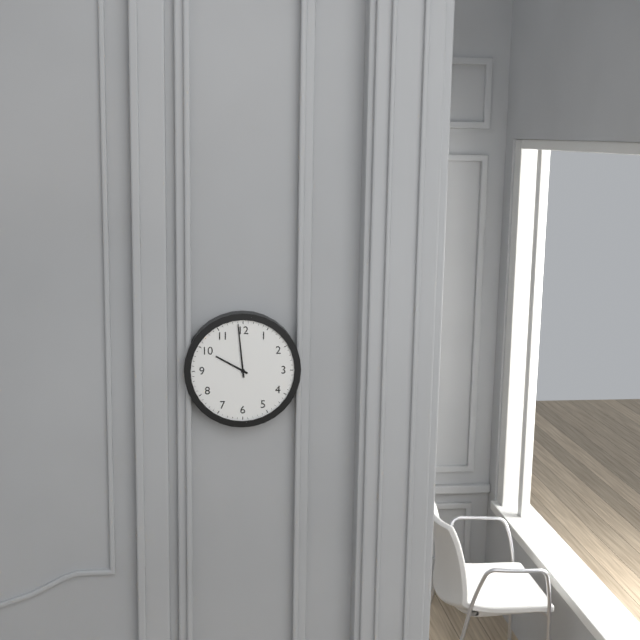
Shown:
9 h 59 min
